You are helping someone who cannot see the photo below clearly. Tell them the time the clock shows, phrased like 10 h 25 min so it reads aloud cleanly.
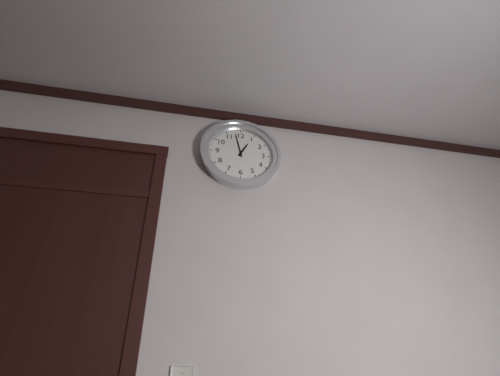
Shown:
12 h 58 min
